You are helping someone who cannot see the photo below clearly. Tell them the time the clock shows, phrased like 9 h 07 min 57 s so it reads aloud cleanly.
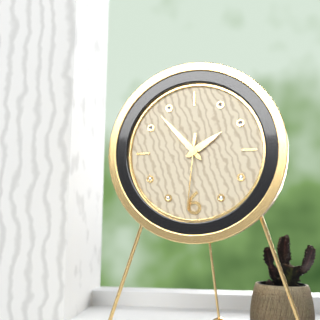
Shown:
1 h 53 min 31 s
